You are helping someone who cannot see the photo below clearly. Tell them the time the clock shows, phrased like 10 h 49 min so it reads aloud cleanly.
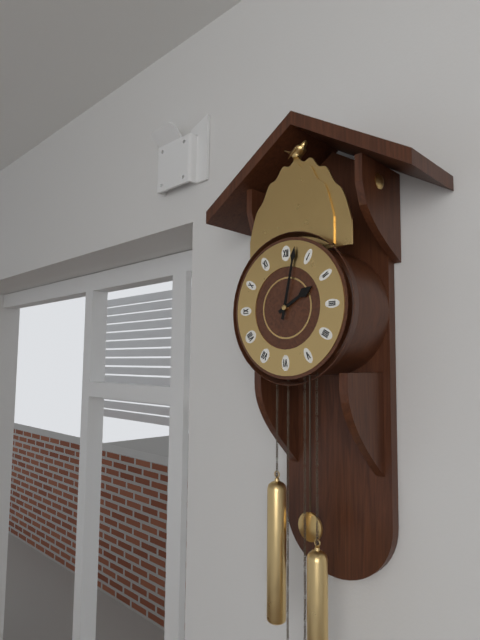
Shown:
2 h 02 min
